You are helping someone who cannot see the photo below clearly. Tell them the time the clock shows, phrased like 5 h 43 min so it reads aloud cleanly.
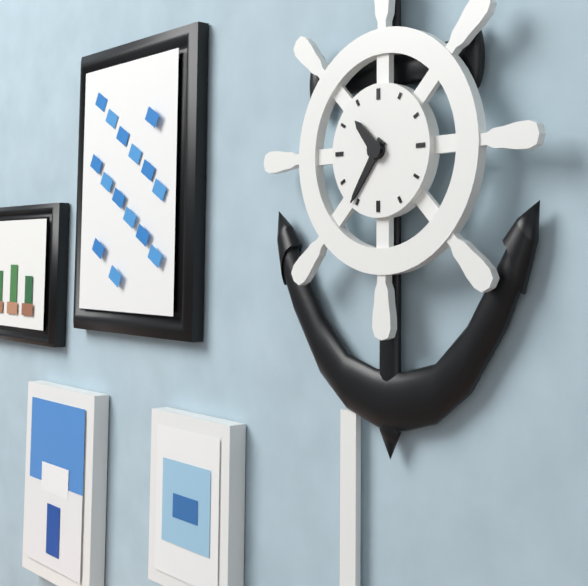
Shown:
10 h 36 min
